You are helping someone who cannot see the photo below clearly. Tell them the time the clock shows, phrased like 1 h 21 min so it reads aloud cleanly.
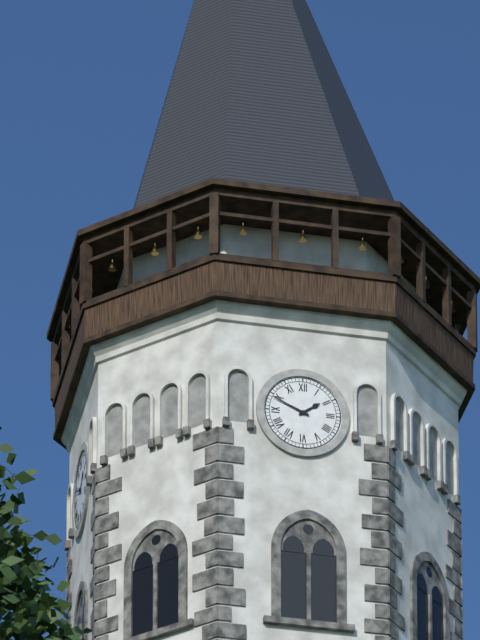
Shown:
1 h 49 min
